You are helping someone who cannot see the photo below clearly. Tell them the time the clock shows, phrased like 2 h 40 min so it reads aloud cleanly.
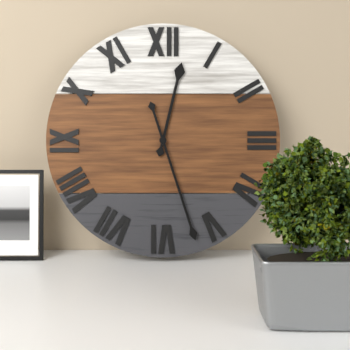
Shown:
12 h 27 min
